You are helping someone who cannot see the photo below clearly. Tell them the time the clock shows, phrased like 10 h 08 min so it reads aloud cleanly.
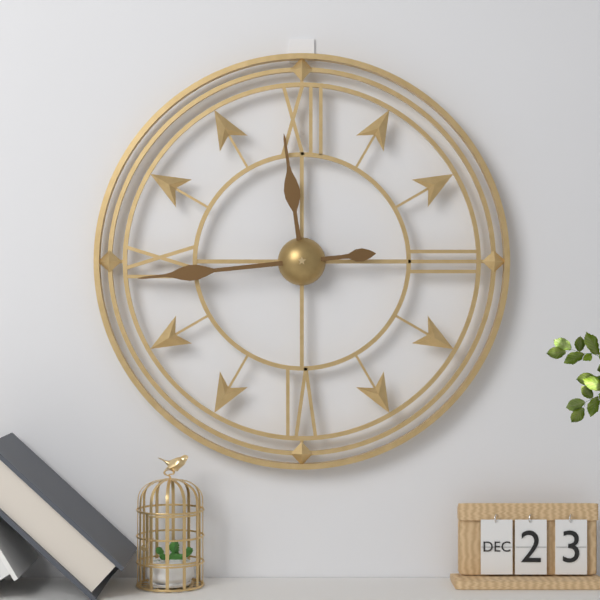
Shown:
11 h 44 min
